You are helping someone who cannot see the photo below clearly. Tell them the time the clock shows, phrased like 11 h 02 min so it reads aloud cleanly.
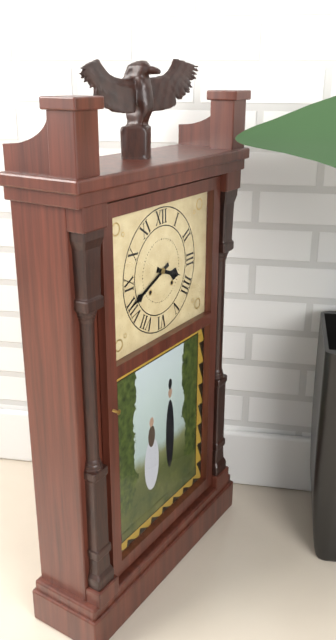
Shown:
3 h 41 min
